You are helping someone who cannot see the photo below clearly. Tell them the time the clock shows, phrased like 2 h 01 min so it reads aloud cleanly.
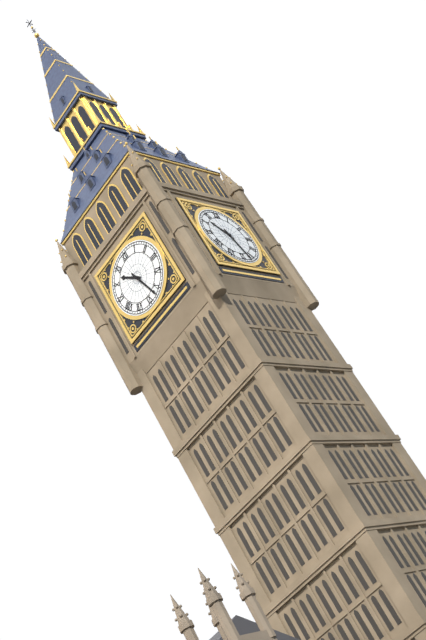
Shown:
10 h 27 min
